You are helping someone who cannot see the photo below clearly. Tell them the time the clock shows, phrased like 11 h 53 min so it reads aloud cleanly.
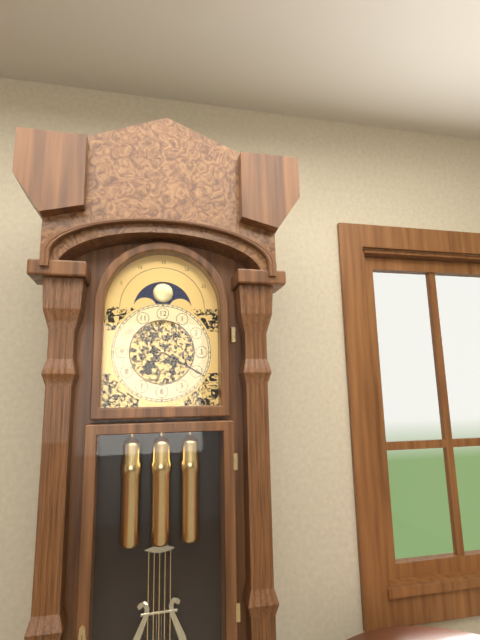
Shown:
7 h 20 min
